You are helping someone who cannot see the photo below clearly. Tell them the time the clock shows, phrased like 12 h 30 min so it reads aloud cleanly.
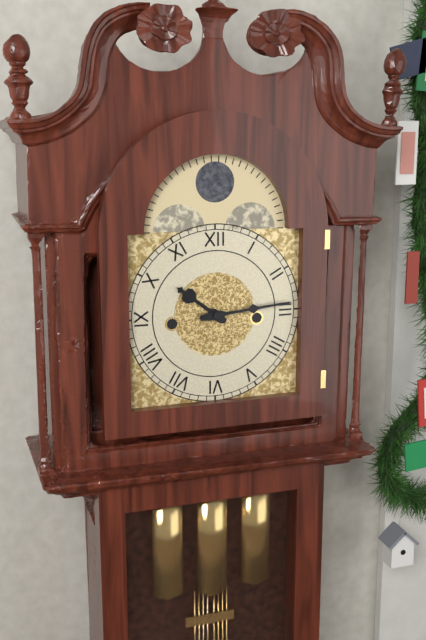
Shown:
10 h 14 min
